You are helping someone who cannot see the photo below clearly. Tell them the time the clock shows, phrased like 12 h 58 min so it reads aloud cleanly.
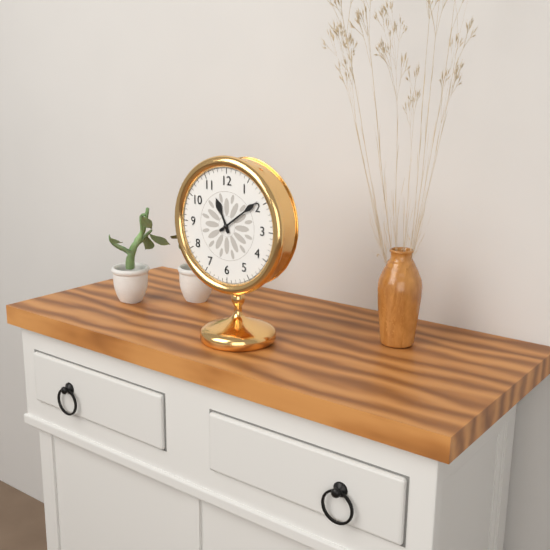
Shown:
11 h 09 min
